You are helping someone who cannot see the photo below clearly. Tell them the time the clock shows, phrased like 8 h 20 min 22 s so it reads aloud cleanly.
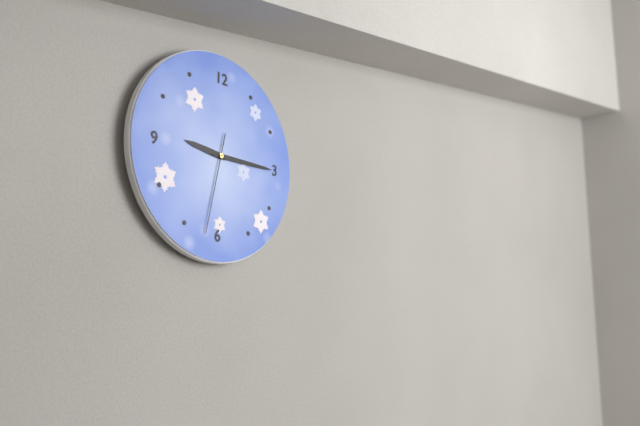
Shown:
9 h 15 min 32 s
